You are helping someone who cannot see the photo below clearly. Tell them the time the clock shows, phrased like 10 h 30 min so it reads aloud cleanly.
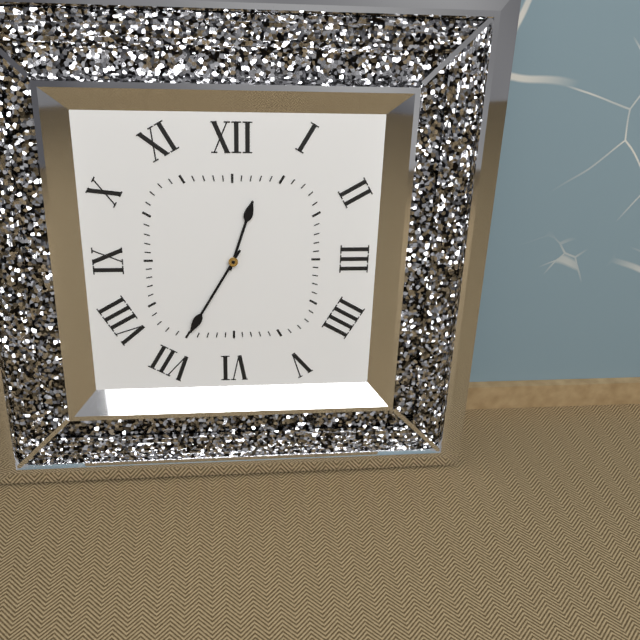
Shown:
12 h 35 min
